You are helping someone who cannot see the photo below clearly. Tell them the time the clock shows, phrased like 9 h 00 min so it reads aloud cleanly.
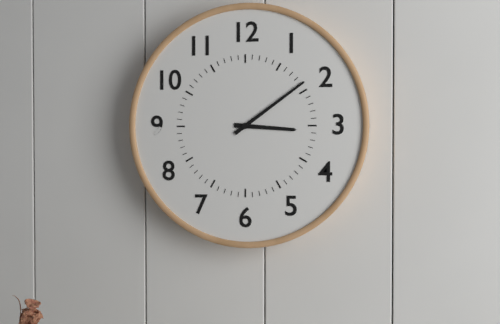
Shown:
3 h 09 min
